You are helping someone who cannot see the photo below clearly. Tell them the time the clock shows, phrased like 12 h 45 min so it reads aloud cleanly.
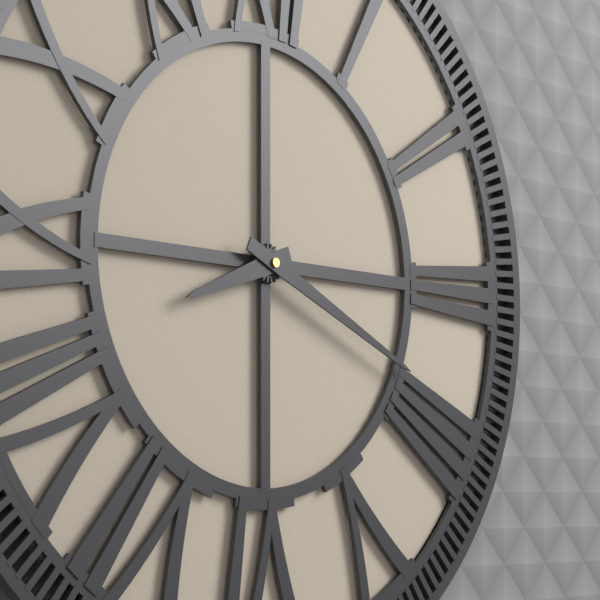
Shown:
8 h 19 min
